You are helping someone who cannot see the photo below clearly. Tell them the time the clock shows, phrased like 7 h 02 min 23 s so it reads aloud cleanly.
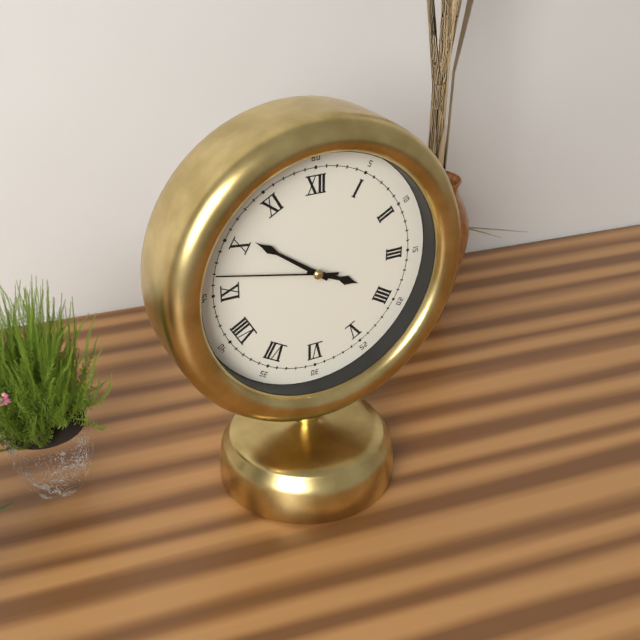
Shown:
3 h 51 min 47 s
